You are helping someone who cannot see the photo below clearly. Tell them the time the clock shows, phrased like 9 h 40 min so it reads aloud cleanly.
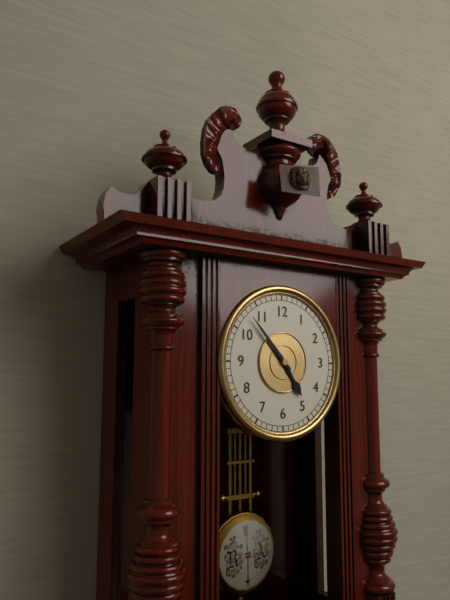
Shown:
4 h 53 min
